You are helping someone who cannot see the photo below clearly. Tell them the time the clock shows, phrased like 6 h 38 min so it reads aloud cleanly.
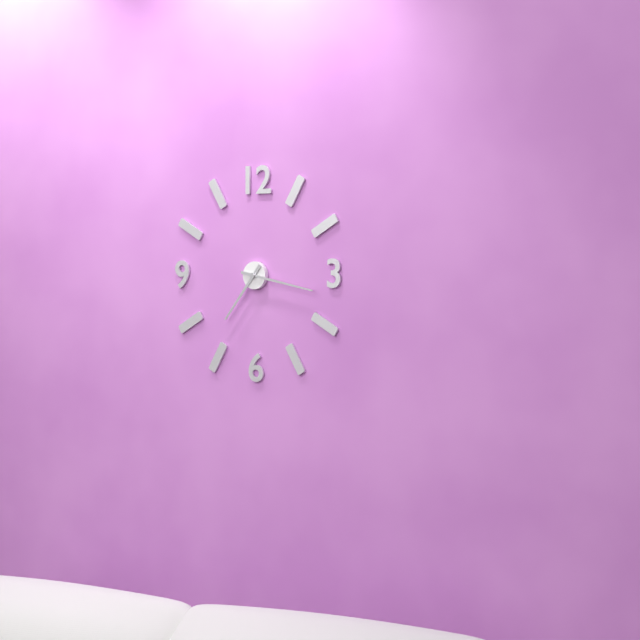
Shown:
7 h 17 min
